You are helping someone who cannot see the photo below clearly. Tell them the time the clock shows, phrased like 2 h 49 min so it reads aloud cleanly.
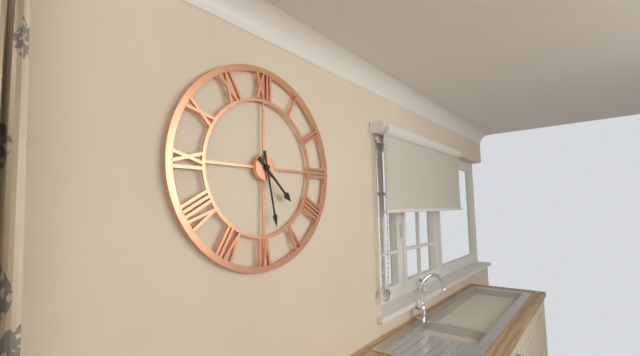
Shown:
4 h 28 min
